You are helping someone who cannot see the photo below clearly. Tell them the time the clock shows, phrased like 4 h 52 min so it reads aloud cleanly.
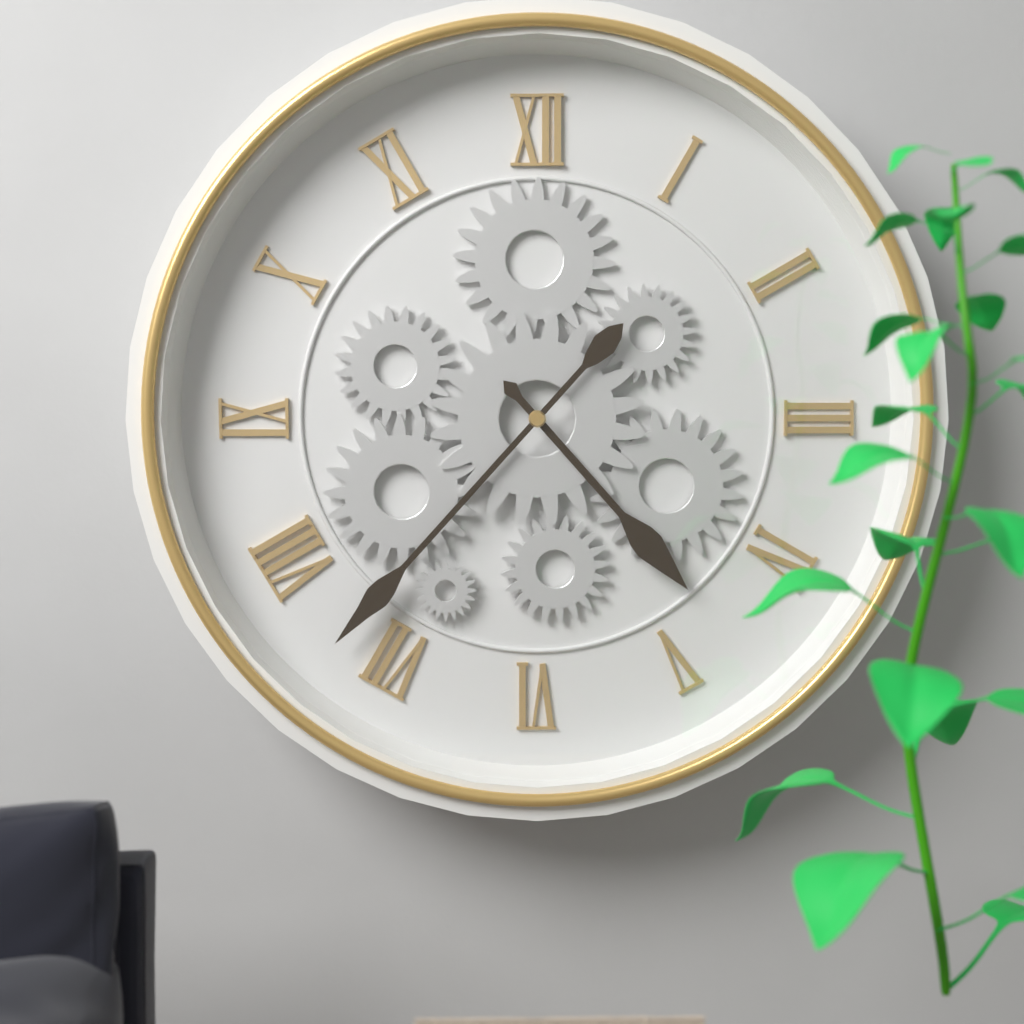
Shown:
4 h 37 min
